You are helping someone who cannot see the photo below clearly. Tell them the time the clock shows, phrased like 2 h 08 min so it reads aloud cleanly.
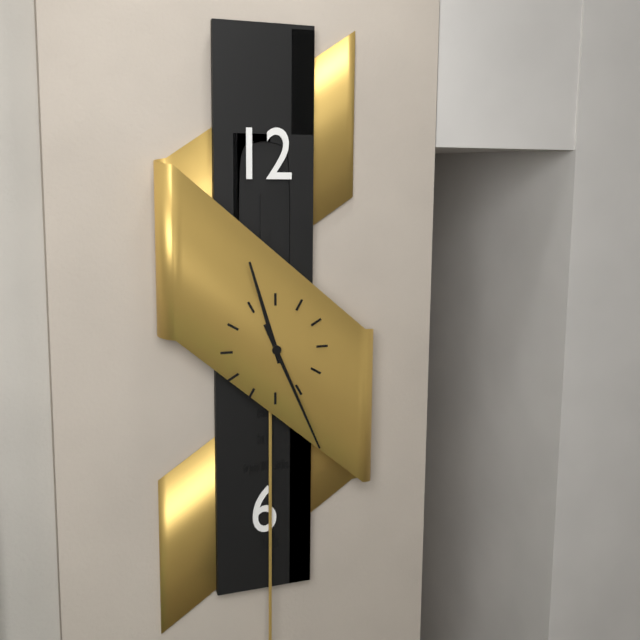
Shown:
11 h 26 min
